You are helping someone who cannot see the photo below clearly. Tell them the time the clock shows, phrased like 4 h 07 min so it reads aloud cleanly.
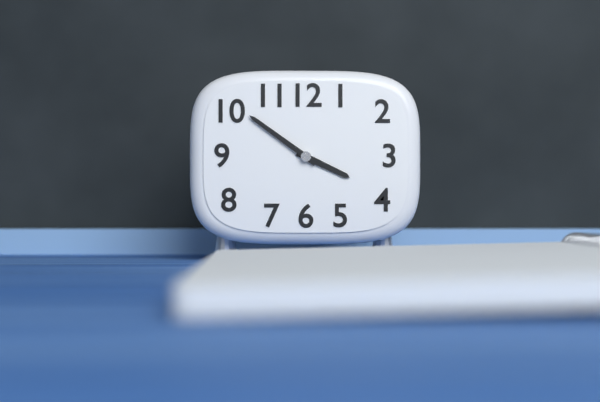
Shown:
3 h 51 min
